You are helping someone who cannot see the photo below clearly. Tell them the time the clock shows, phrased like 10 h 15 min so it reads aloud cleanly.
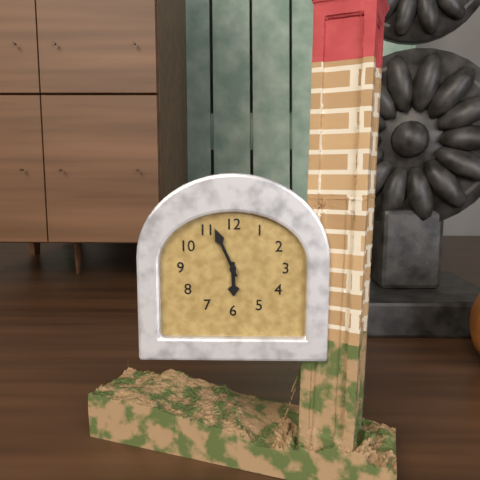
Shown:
5 h 56 min
